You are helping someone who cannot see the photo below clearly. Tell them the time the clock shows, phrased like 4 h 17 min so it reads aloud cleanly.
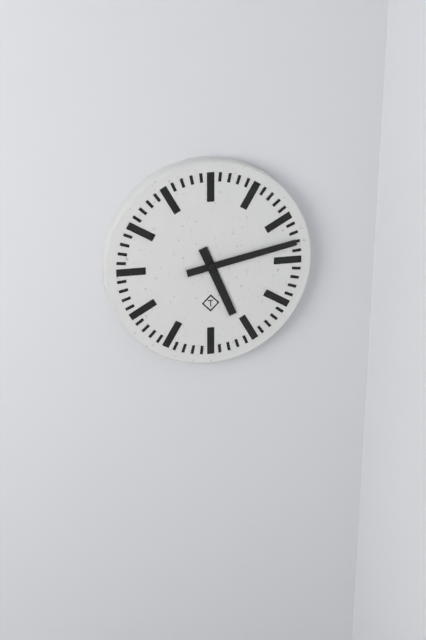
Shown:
5 h 13 min
